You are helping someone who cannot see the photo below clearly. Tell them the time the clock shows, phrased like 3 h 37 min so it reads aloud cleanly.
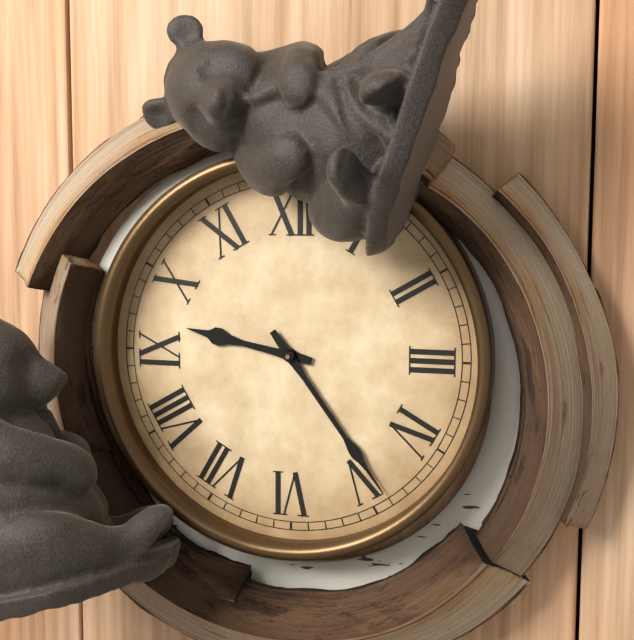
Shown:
9 h 24 min
